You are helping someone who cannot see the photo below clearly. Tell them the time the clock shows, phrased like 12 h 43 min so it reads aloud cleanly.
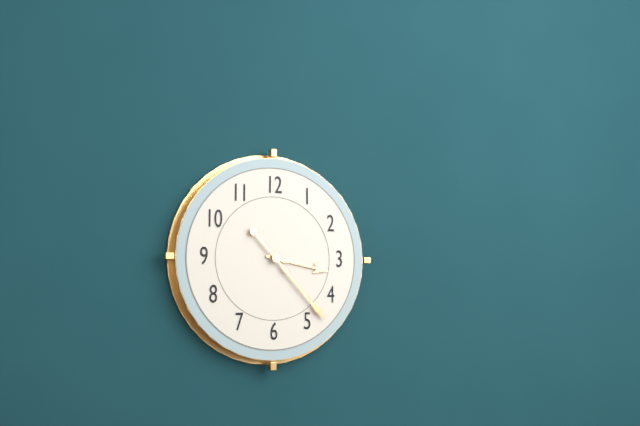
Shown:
3 h 23 min
